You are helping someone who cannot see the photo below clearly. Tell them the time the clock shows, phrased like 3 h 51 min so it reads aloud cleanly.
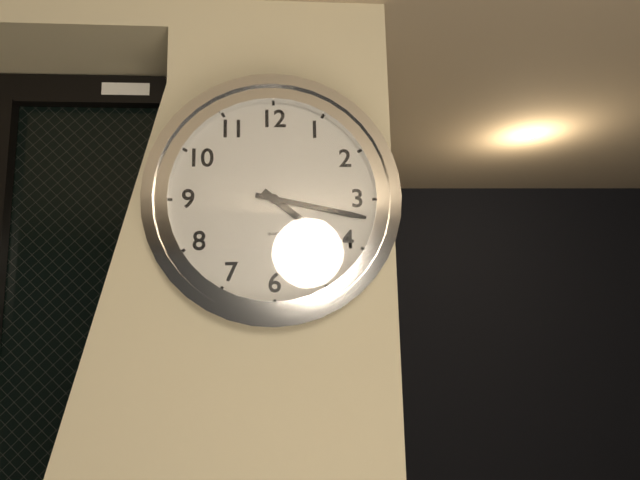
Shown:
4 h 17 min
